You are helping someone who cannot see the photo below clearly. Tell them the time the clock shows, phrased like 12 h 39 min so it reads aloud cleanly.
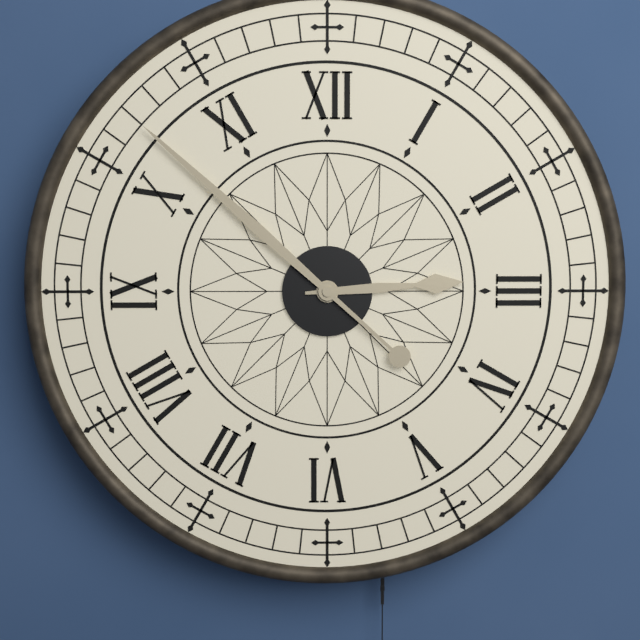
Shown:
2 h 52 min
